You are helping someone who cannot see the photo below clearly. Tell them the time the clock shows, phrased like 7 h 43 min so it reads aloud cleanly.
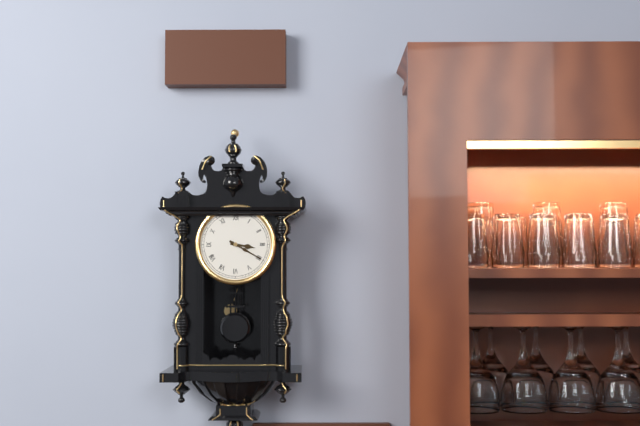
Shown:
3 h 20 min
